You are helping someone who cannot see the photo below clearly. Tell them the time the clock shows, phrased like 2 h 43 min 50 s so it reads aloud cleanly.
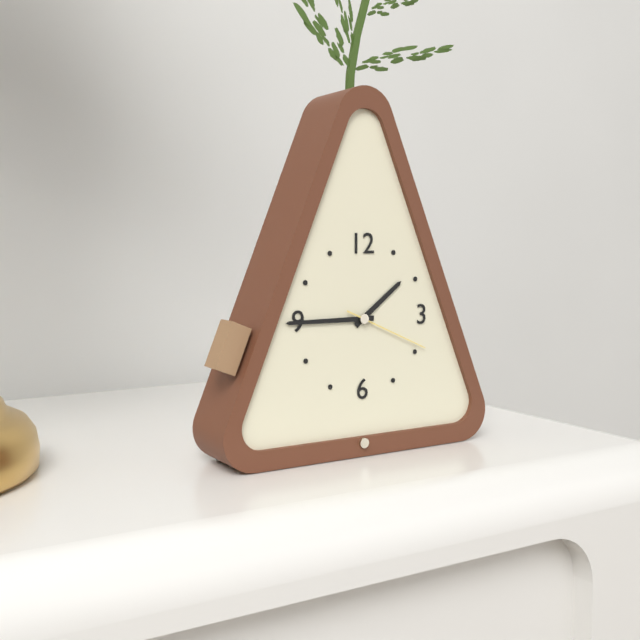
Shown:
1 h 45 min 19 s
